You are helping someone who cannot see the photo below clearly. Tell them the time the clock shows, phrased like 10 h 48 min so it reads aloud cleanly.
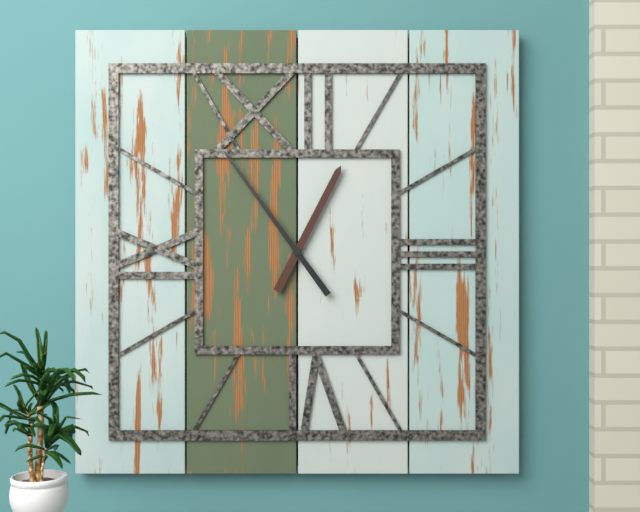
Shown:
12 h 54 min
